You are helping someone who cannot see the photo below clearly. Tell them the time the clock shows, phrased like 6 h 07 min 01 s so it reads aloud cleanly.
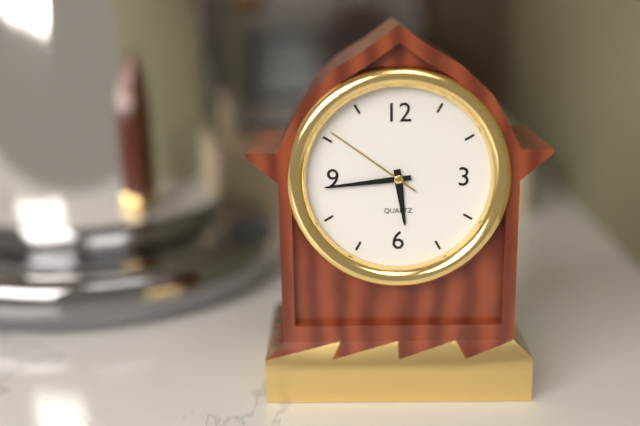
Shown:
5 h 44 min 51 s
